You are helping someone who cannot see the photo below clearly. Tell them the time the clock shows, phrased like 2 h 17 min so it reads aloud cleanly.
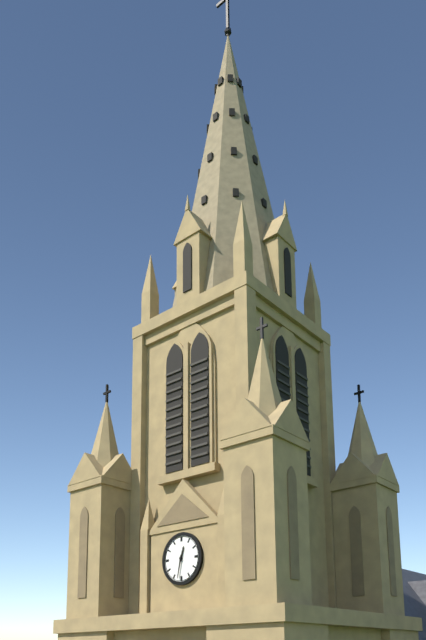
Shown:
12 h 32 min
